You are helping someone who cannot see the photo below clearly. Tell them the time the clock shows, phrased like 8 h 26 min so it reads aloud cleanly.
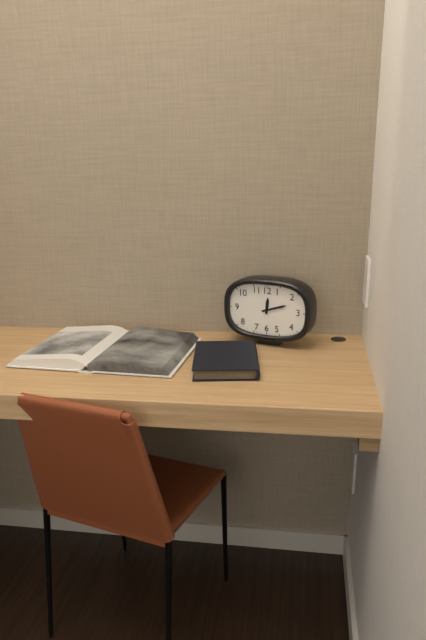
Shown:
12 h 12 min
